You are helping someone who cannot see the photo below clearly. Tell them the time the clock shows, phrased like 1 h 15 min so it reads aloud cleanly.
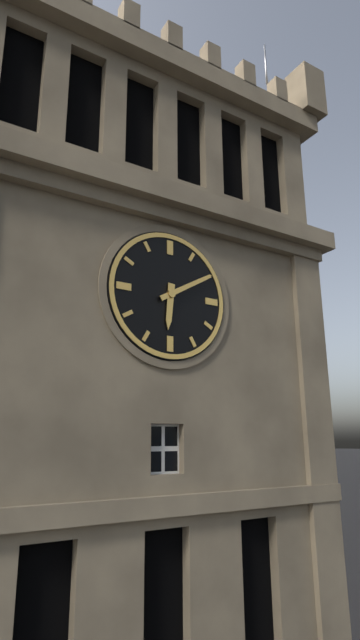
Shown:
6 h 10 min
